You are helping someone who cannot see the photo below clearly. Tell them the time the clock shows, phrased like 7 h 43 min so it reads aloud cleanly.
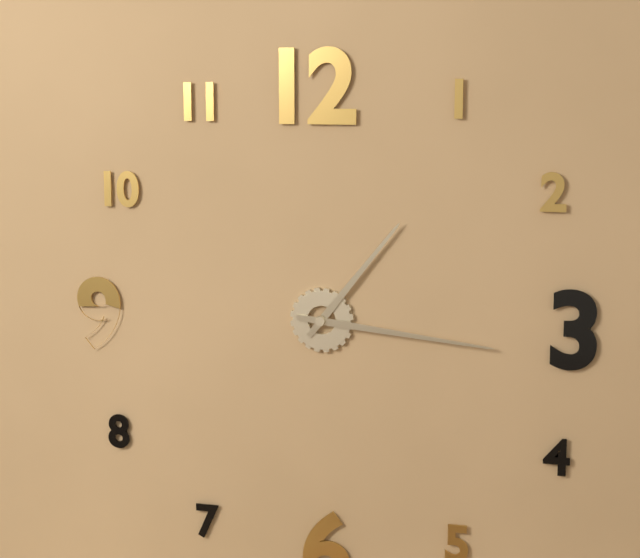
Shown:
1 h 16 min
